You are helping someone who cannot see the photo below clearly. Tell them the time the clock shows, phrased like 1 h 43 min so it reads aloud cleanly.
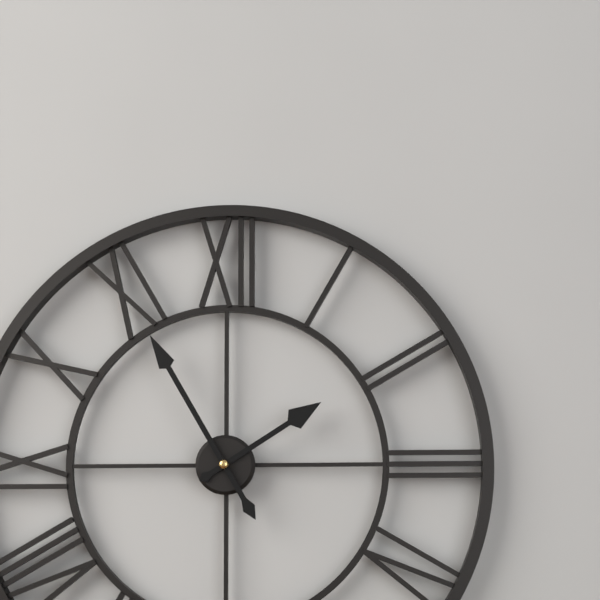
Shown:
1 h 55 min
